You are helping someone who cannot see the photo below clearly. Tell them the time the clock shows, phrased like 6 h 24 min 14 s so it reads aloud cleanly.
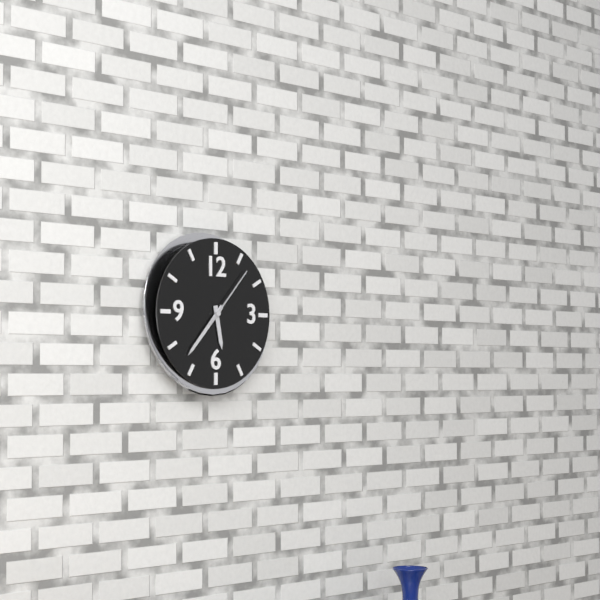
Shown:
5 h 37 min 07 s
